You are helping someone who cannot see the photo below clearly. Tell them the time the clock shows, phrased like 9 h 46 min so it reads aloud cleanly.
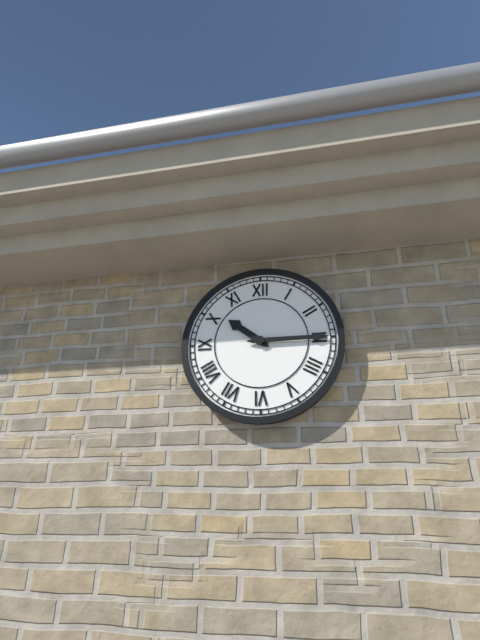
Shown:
10 h 15 min
